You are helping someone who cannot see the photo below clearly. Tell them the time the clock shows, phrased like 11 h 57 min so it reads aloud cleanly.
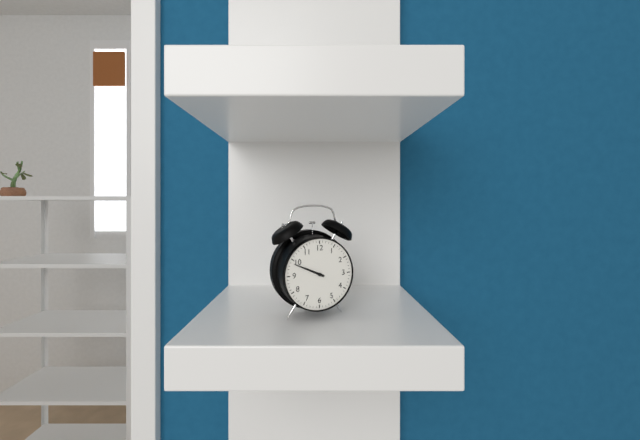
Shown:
9 h 49 min
